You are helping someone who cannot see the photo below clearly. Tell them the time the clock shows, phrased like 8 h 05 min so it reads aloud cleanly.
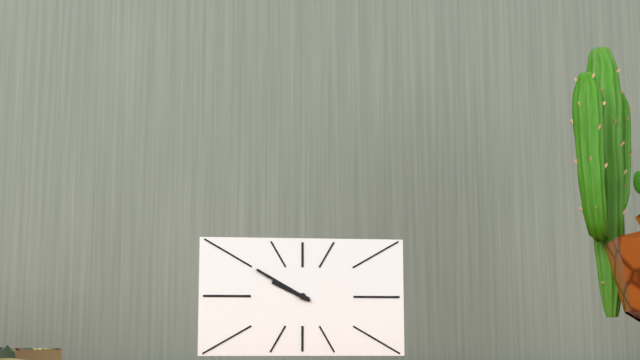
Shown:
9 h 50 min
